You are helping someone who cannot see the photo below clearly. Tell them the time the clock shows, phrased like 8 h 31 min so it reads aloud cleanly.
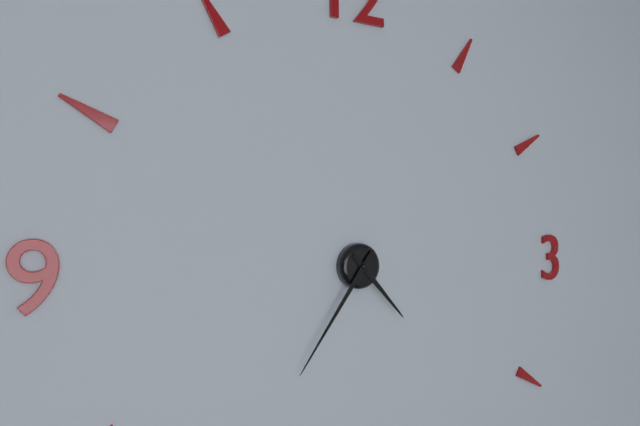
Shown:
4 h 36 min
